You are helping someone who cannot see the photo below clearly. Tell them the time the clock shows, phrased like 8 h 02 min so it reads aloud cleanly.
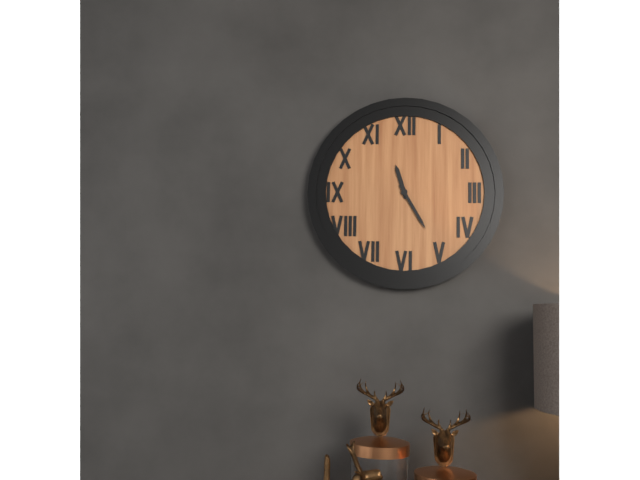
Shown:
11 h 25 min
